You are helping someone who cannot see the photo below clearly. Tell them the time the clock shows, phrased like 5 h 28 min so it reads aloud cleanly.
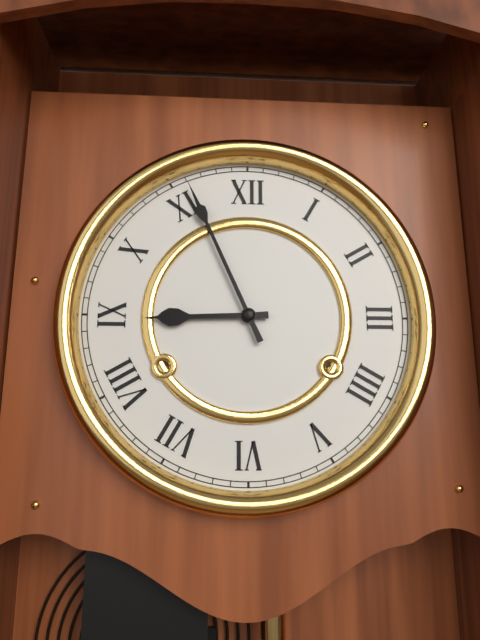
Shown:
8 h 56 min
